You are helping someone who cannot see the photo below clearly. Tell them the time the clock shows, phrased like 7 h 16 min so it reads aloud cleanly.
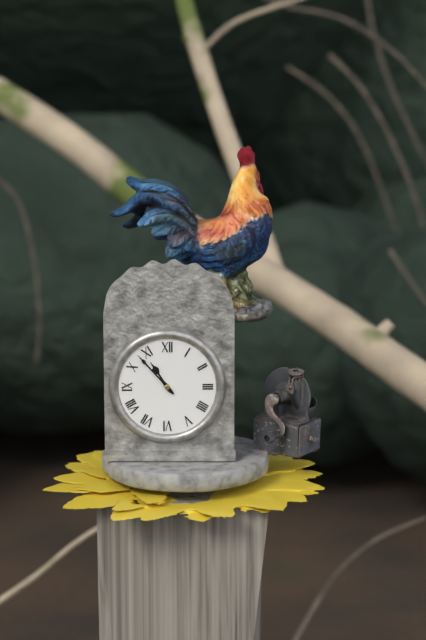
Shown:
10 h 53 min
